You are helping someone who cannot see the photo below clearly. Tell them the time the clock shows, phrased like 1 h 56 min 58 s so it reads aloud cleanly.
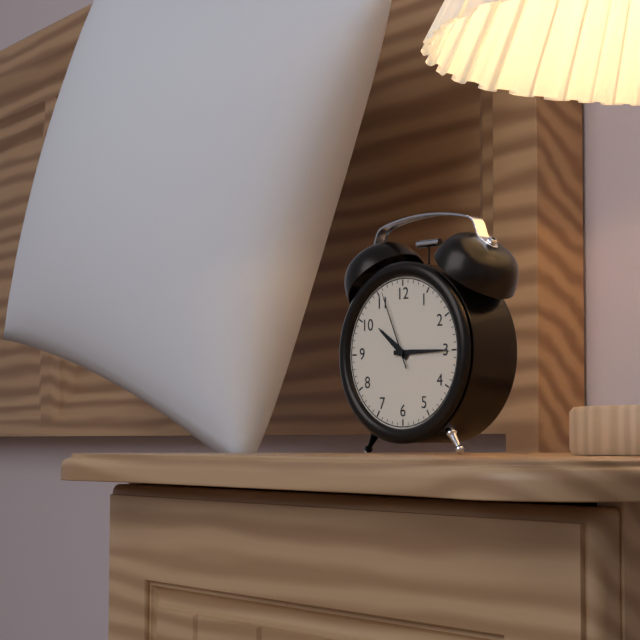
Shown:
10 h 15 min 56 s
